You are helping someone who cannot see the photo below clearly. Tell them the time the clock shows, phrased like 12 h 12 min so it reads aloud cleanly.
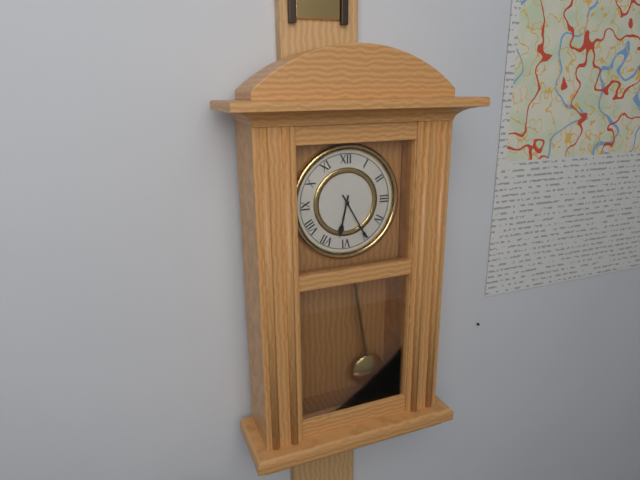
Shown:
6 h 25 min
